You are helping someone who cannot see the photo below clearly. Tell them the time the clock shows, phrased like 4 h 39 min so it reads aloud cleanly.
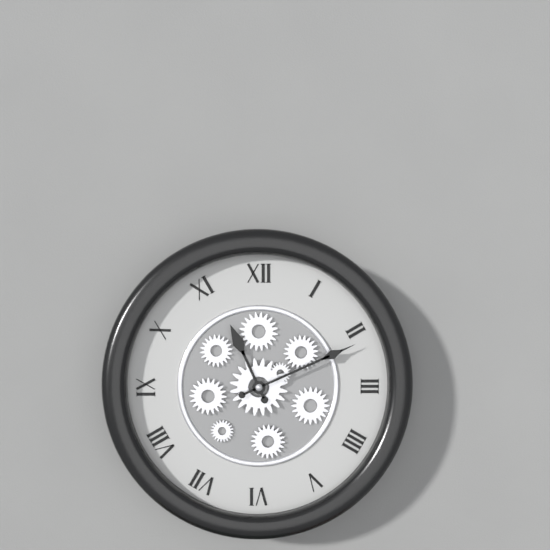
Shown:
11 h 11 min
